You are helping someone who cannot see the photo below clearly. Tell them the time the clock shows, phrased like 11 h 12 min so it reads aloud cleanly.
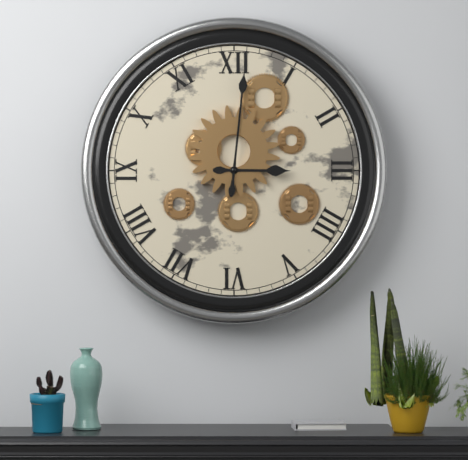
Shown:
3 h 01 min
